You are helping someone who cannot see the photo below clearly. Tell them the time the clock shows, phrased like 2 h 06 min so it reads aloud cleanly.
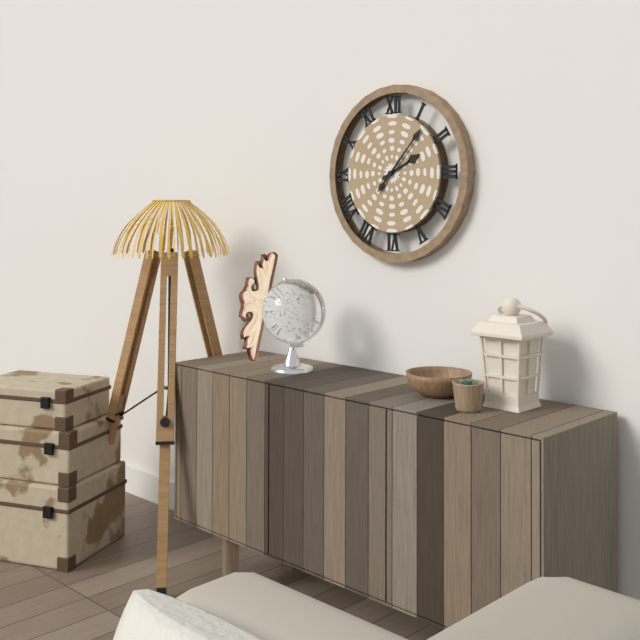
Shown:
2 h 07 min
